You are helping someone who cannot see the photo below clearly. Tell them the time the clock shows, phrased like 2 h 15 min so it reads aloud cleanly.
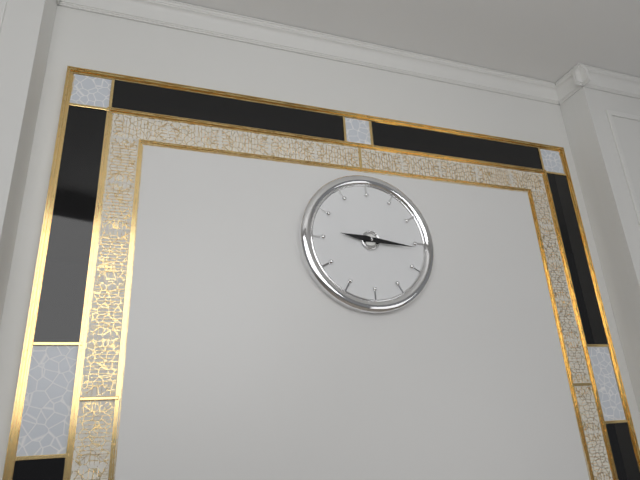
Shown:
9 h 16 min
